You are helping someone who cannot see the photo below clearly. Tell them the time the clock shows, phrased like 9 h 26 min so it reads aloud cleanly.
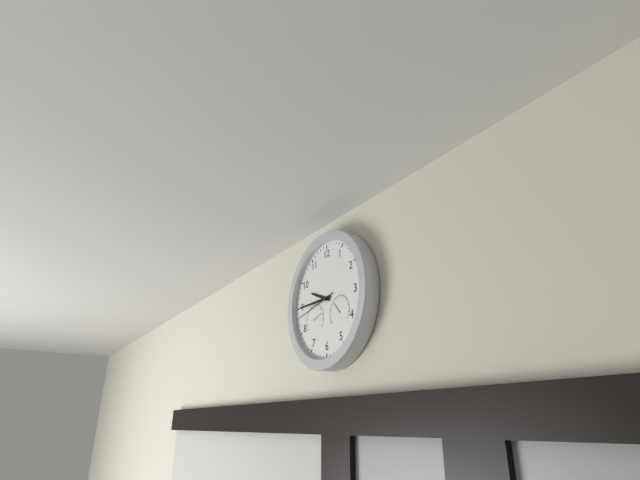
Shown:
9 h 45 min
